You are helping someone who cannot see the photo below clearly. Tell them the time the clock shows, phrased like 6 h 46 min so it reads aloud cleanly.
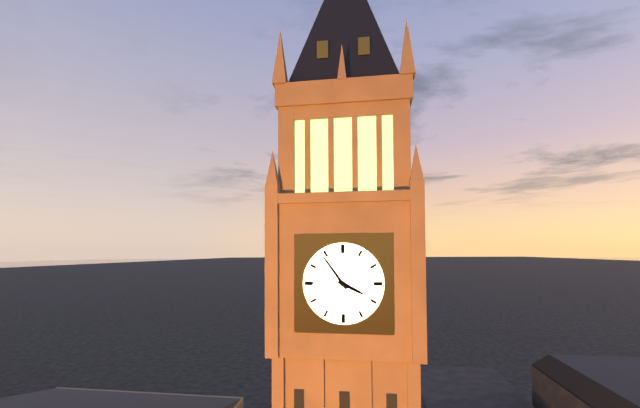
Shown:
3 h 54 min
